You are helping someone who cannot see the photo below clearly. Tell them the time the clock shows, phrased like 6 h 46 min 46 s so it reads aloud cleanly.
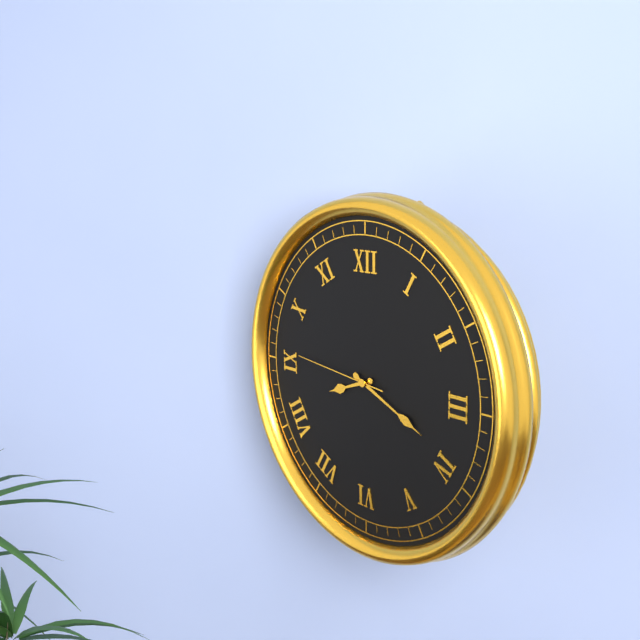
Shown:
8 h 19 min 46 s
